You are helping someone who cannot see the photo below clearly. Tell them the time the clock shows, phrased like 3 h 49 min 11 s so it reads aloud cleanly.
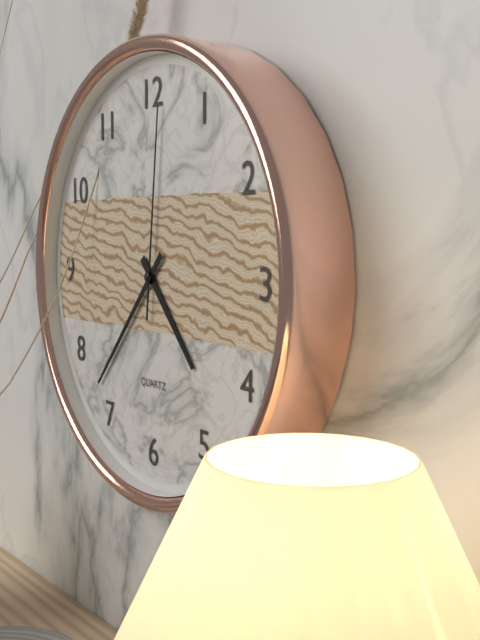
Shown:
4 h 37 min 01 s
